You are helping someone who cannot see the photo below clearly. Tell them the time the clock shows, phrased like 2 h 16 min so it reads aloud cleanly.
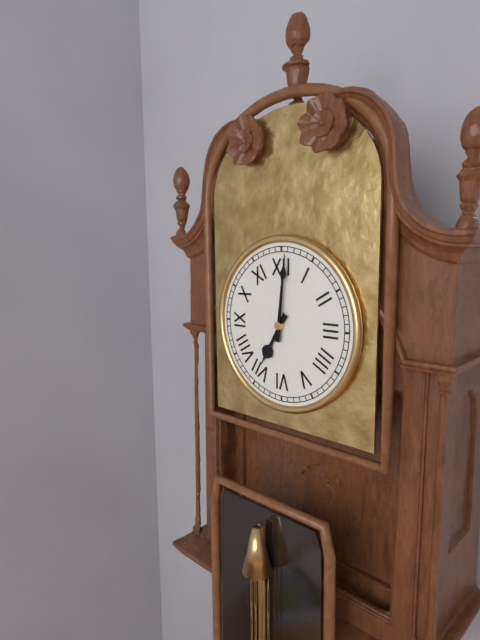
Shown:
7 h 01 min
